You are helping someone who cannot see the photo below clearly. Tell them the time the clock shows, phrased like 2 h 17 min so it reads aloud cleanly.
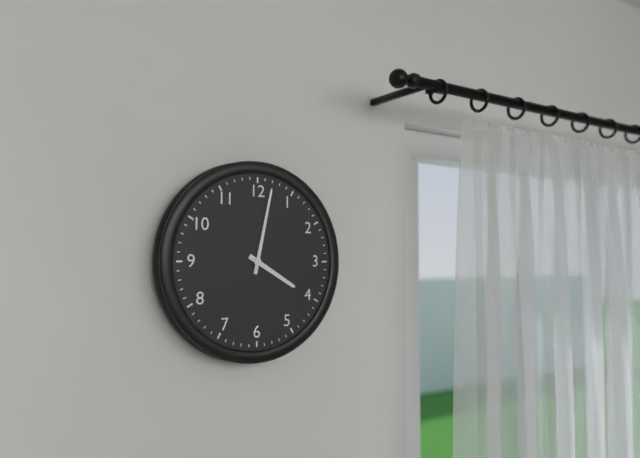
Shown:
4 h 02 min
